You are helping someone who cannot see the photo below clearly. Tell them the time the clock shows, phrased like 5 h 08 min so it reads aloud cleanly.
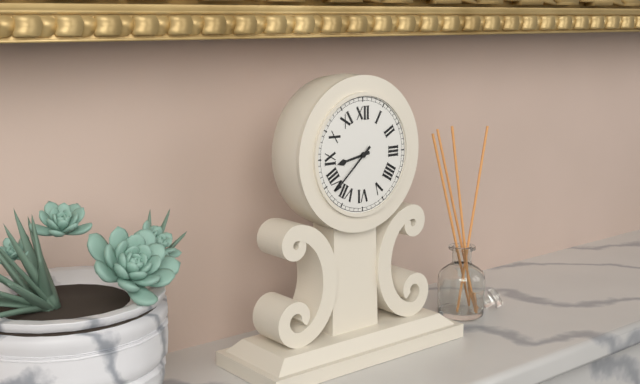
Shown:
8 h 38 min
